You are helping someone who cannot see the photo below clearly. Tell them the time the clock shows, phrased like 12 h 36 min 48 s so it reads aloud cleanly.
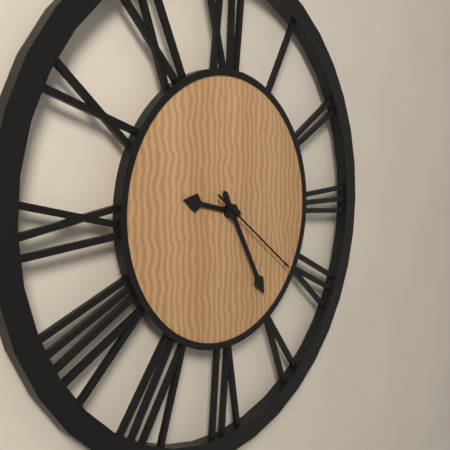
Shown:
9 h 25 min 21 s
